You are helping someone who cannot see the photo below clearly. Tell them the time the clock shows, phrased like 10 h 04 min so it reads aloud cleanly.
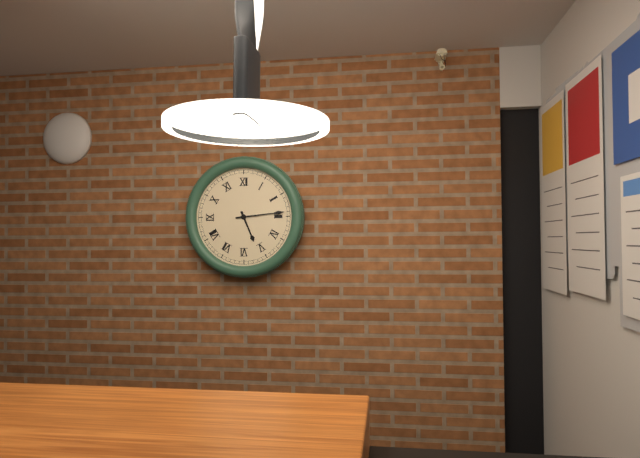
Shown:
5 h 14 min
